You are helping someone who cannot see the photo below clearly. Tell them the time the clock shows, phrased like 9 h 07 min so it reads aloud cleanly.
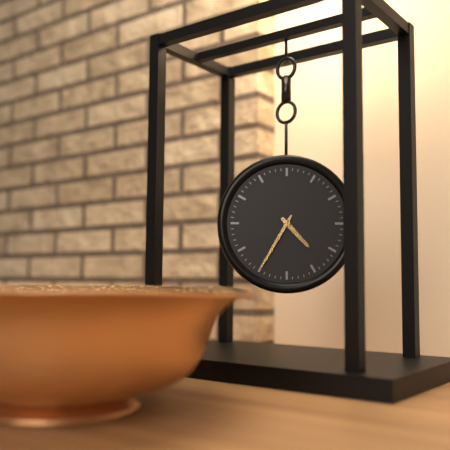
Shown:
4 h 35 min
